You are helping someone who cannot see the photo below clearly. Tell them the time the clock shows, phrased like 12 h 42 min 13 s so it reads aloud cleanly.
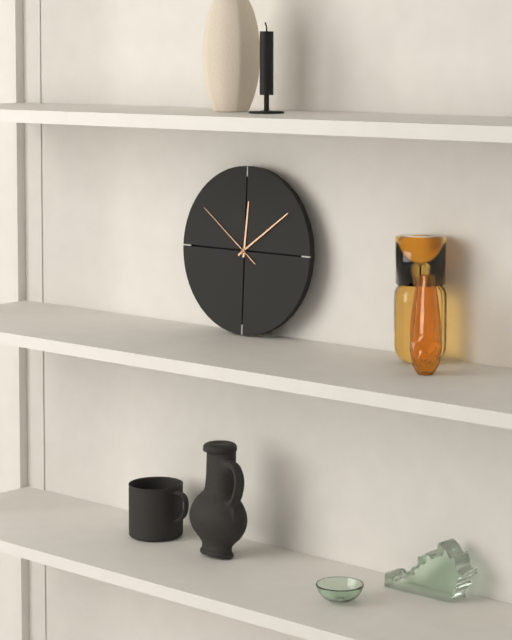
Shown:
12 h 09 min 51 s
